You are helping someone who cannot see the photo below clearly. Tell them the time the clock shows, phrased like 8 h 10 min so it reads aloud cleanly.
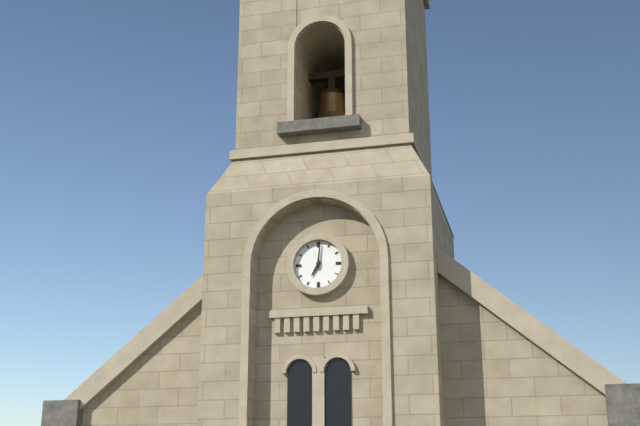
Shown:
7 h 01 min
